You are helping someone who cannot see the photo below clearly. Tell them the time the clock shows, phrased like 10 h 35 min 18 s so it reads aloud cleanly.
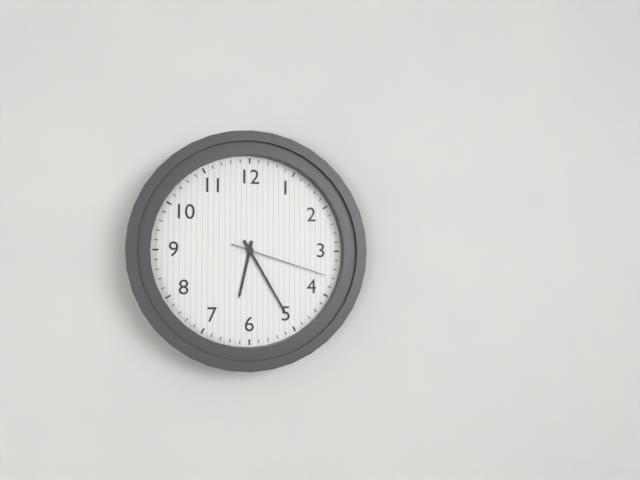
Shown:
6 h 25 min 18 s
